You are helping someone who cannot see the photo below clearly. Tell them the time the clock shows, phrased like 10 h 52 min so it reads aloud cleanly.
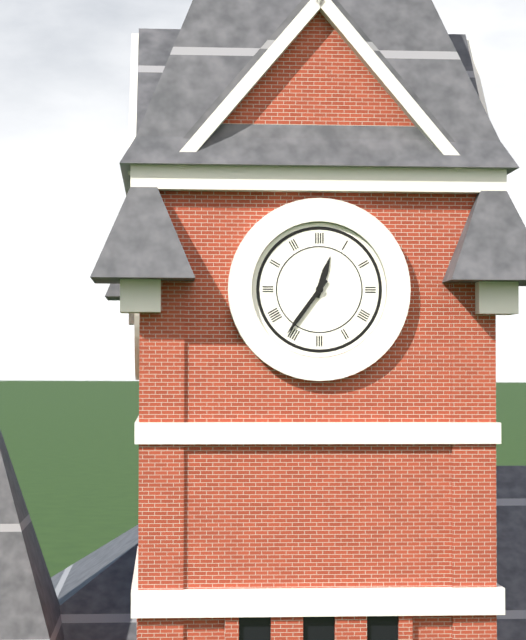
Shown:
12 h 36 min
